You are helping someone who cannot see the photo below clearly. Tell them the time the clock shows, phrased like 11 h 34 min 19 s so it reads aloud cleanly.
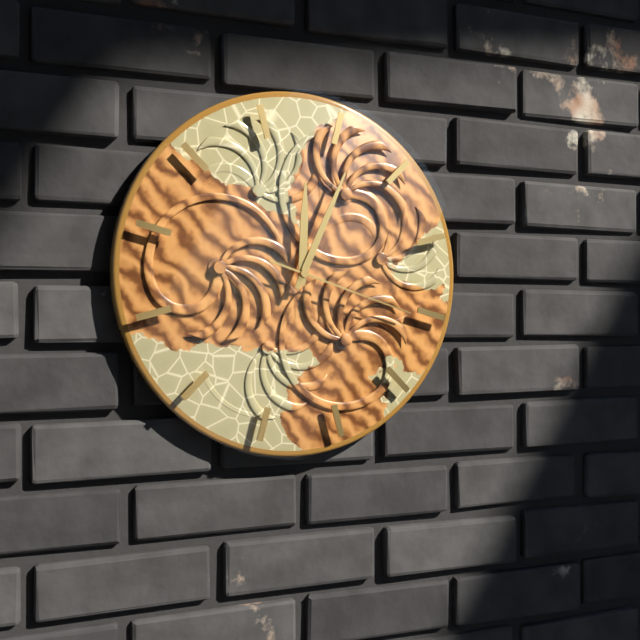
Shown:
12 h 04 min 18 s
